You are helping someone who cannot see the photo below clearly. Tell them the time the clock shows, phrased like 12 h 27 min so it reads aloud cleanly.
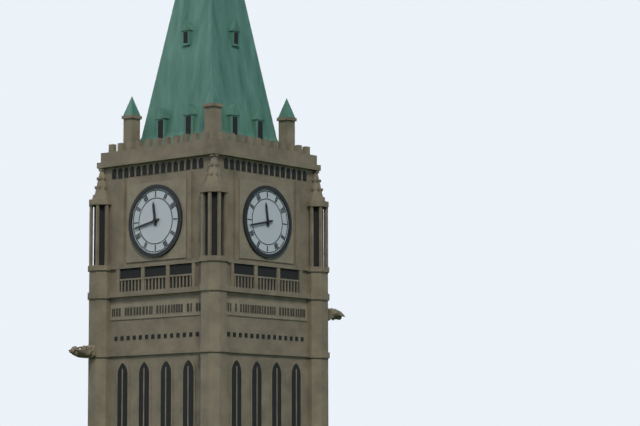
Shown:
11 h 43 min
